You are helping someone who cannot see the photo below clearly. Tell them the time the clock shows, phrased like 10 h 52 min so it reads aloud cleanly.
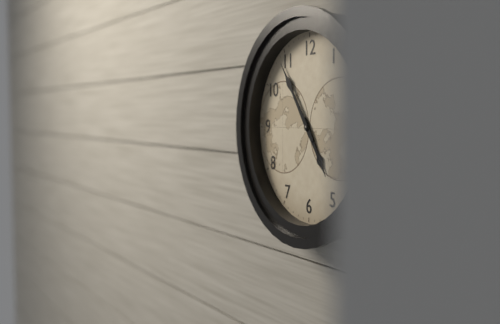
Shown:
4 h 54 min
